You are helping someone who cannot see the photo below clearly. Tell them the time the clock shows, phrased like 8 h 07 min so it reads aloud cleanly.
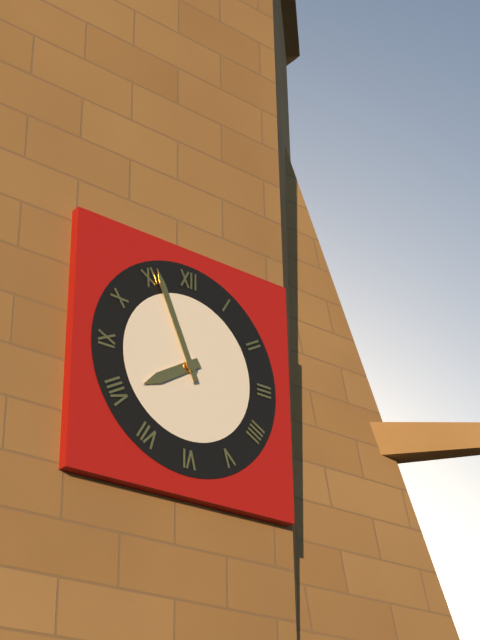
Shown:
7 h 56 min
